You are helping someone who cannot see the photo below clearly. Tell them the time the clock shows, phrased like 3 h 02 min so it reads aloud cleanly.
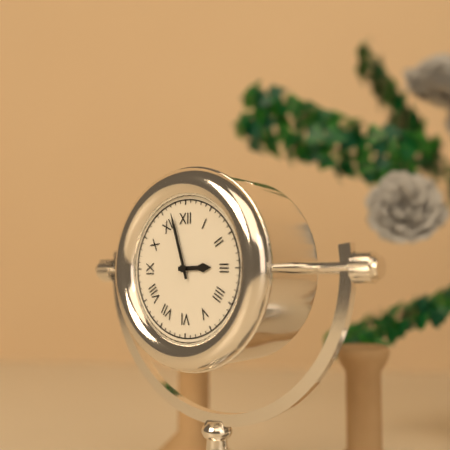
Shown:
2 h 57 min
